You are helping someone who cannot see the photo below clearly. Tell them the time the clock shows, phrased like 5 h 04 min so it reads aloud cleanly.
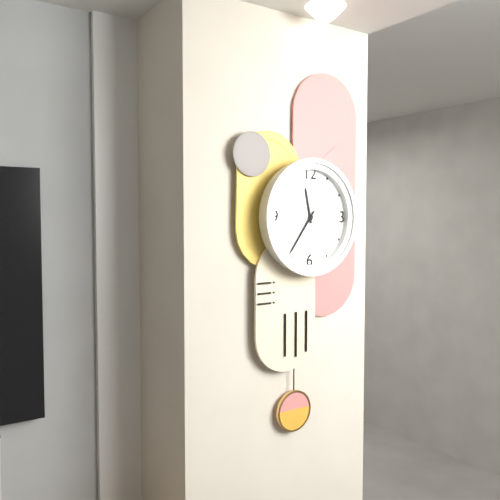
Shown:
11 h 36 min
